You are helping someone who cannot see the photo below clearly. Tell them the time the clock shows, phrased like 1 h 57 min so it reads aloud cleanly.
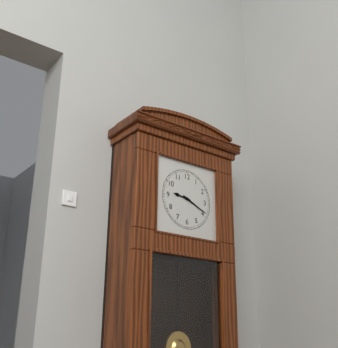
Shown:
9 h 19 min
